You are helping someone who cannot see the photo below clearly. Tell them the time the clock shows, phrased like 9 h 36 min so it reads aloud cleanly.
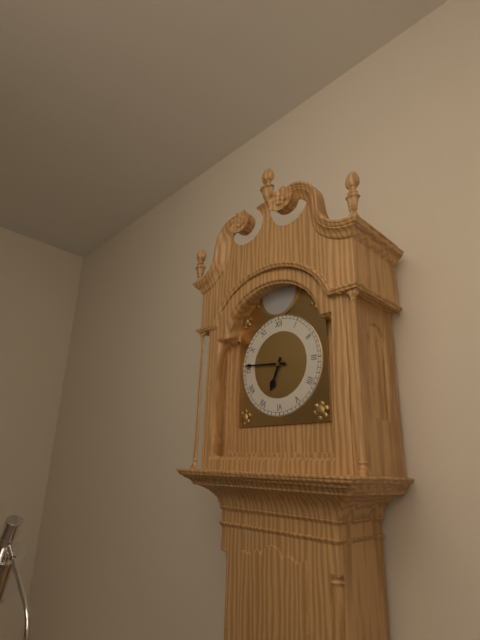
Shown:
6 h 46 min
